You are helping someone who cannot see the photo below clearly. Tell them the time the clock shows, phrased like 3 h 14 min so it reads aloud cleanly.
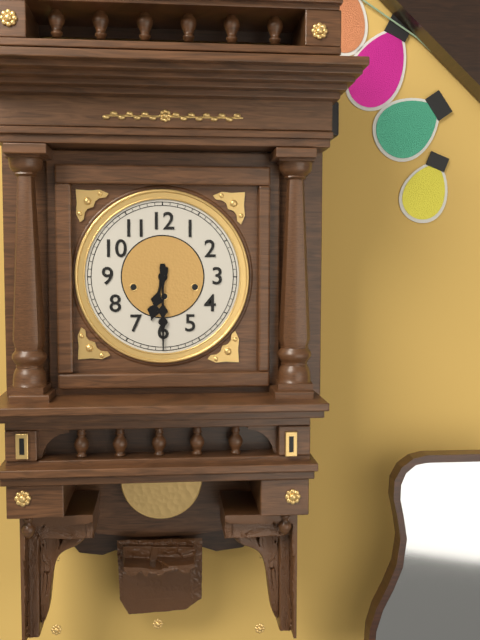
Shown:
6 h 30 min
